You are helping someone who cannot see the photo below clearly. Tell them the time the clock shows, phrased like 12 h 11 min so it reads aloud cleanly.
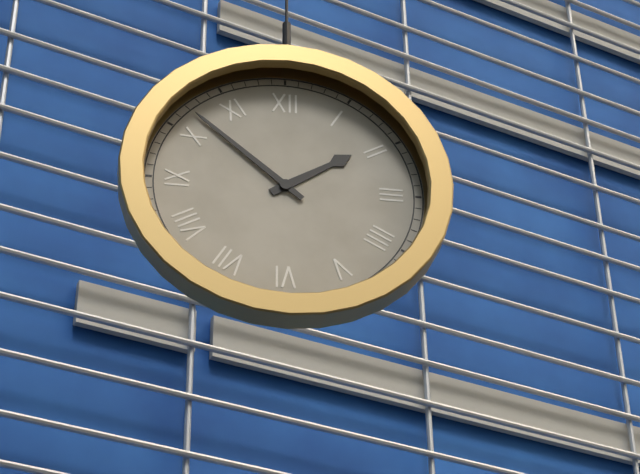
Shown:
1 h 52 min
